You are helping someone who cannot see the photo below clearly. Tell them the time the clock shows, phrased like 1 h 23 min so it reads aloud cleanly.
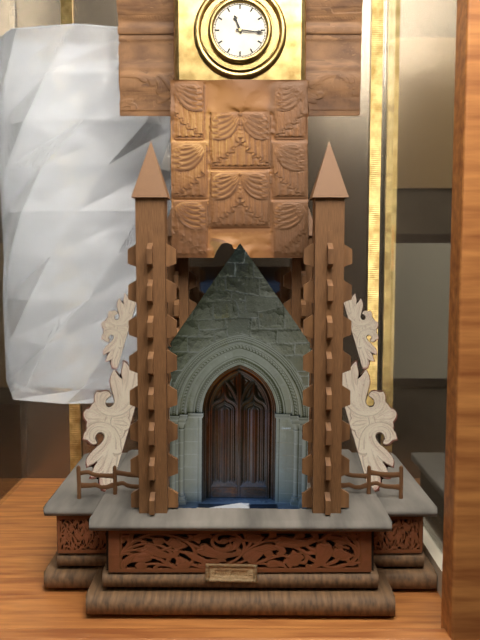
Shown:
11 h 16 min
